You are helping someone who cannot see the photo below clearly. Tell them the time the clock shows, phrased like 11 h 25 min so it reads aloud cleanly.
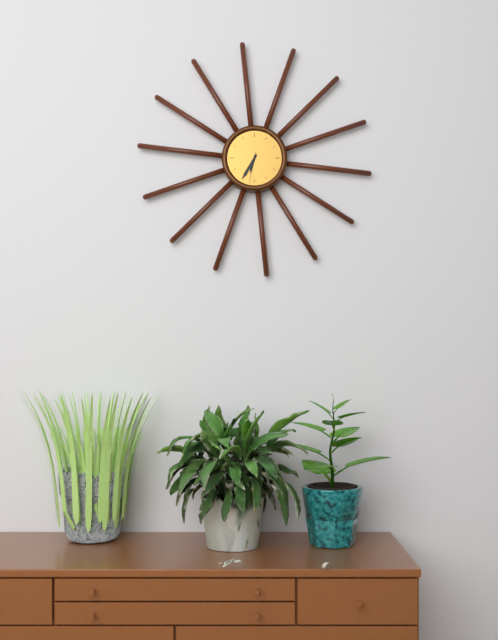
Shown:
6 h 35 min
